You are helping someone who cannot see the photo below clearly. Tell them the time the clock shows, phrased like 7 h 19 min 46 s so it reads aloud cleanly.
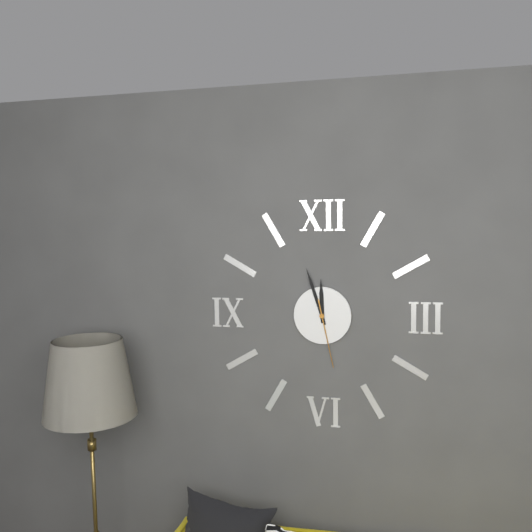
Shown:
11 h 57 min 28 s
